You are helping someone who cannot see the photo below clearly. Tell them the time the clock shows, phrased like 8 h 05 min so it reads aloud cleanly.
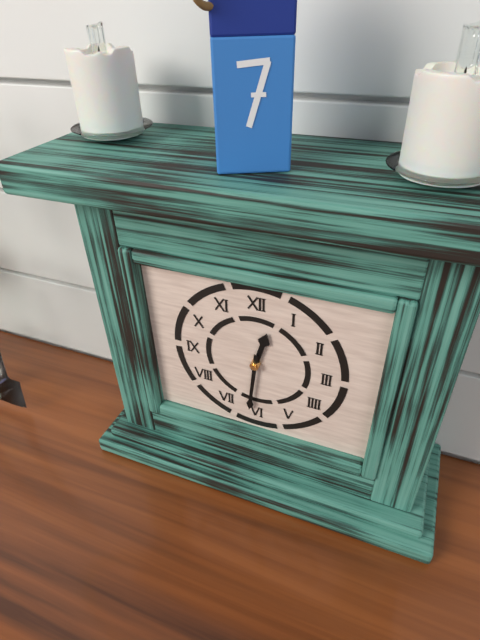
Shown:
12 h 31 min
